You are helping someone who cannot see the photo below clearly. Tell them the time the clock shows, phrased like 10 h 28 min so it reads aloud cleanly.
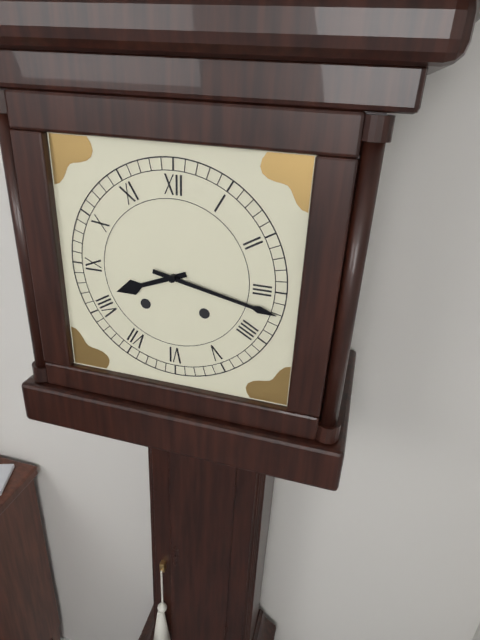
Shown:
8 h 17 min
